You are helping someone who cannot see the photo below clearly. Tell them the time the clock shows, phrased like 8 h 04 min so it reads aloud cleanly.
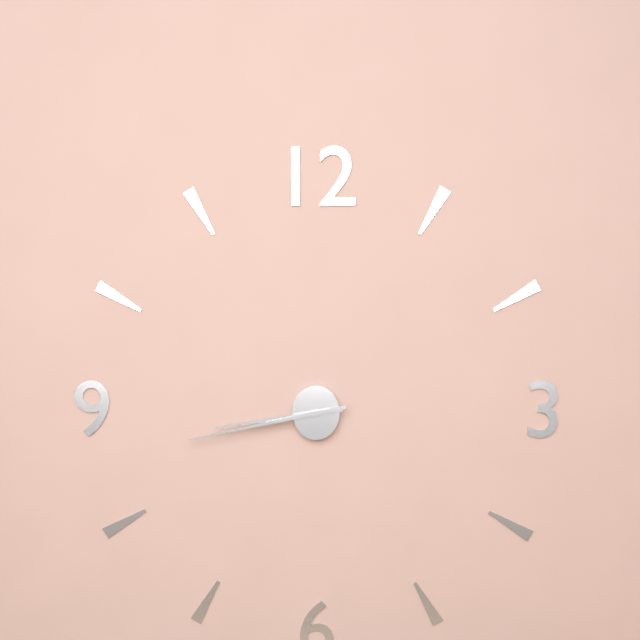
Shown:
8 h 43 min
